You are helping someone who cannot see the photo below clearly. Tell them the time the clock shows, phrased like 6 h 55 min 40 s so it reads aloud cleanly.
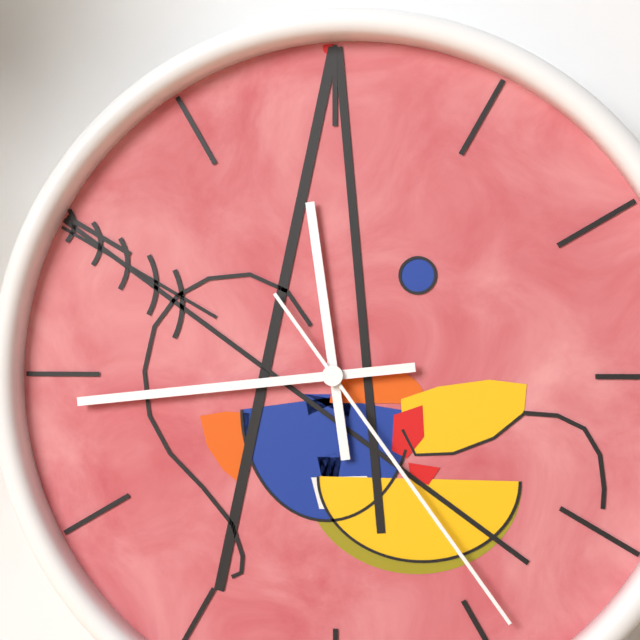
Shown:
11 h 44 min 24 s
